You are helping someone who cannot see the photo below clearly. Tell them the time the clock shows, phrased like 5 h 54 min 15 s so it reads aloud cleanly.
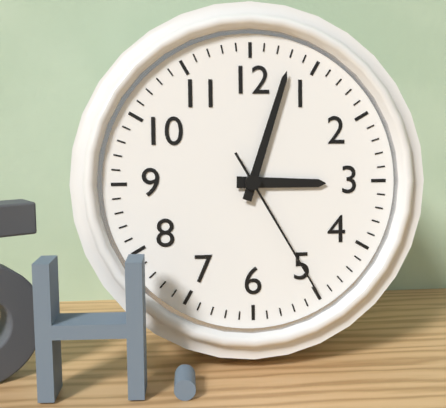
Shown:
3 h 03 min 25 s
